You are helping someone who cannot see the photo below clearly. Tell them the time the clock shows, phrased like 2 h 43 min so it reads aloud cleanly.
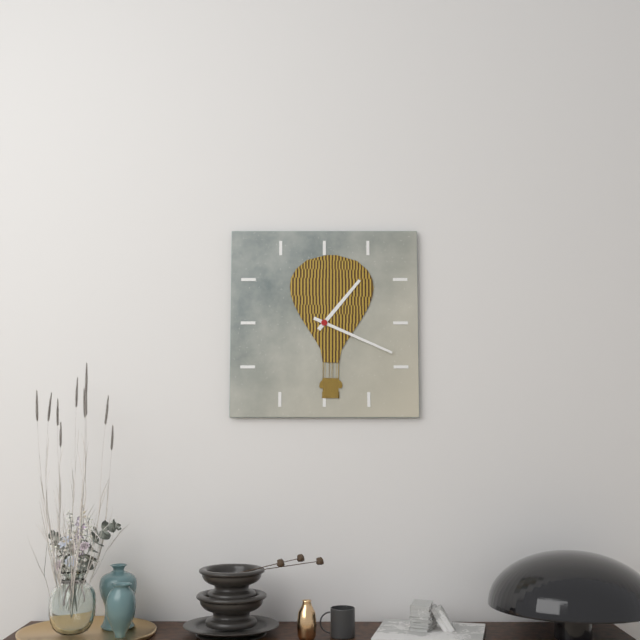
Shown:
1 h 19 min
